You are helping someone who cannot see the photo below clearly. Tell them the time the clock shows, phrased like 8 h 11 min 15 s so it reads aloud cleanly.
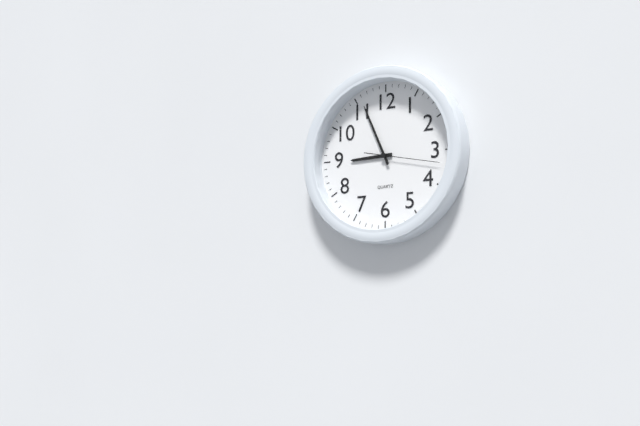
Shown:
8 h 56 min 17 s
